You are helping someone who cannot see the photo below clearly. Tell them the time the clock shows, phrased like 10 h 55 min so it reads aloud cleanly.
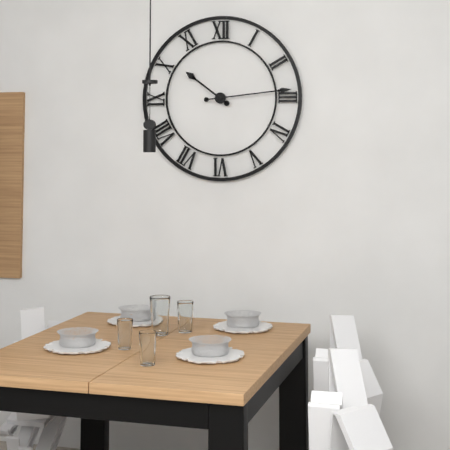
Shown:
10 h 14 min
